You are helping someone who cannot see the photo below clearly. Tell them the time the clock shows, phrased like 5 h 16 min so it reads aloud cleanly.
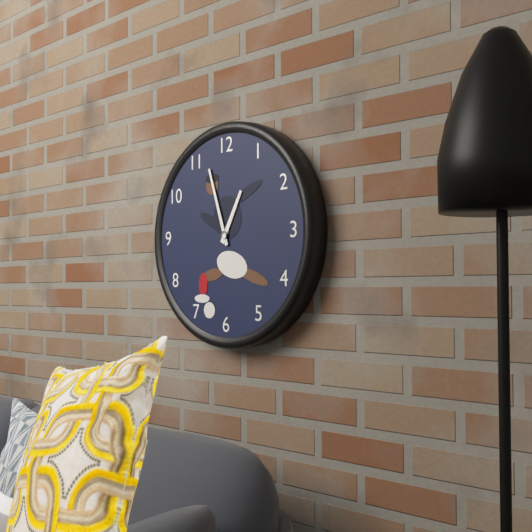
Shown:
12 h 57 min
